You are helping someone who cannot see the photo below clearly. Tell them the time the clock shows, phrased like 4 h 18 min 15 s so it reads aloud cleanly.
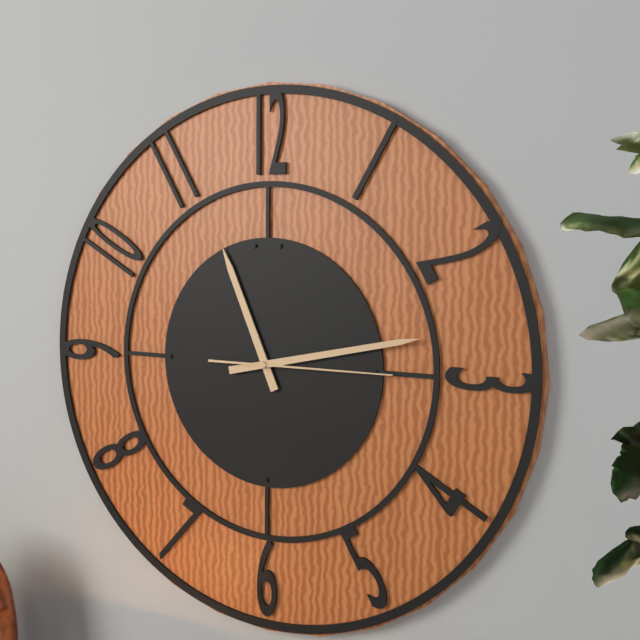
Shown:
11 h 13 min 15 s
